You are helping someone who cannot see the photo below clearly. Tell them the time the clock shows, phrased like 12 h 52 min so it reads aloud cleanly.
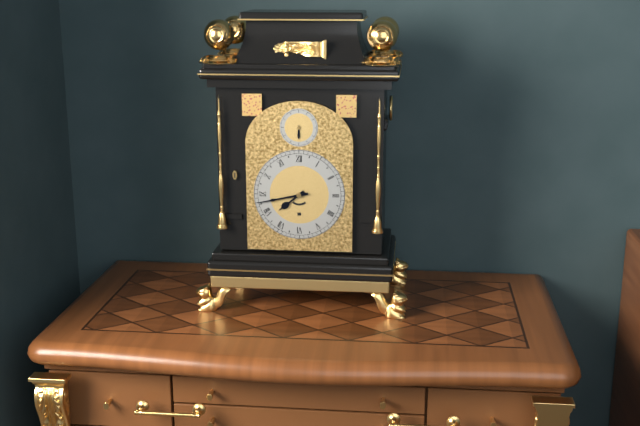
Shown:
7 h 43 min
